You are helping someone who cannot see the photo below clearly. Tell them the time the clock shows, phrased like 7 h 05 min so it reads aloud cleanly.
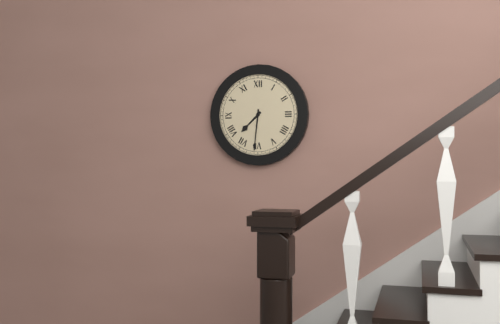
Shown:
7 h 31 min
